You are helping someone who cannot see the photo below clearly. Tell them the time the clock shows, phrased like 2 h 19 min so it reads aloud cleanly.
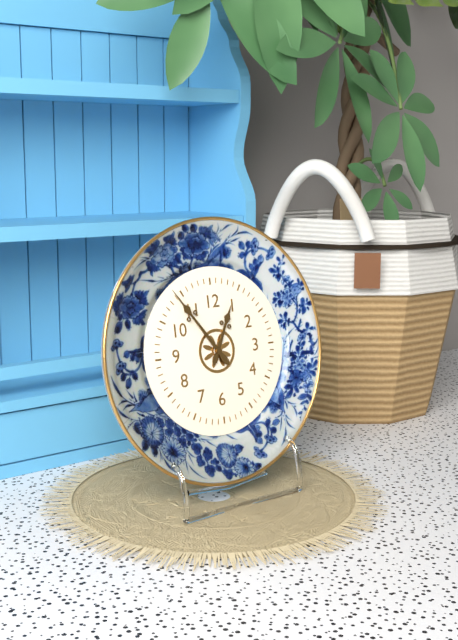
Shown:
12 h 54 min
